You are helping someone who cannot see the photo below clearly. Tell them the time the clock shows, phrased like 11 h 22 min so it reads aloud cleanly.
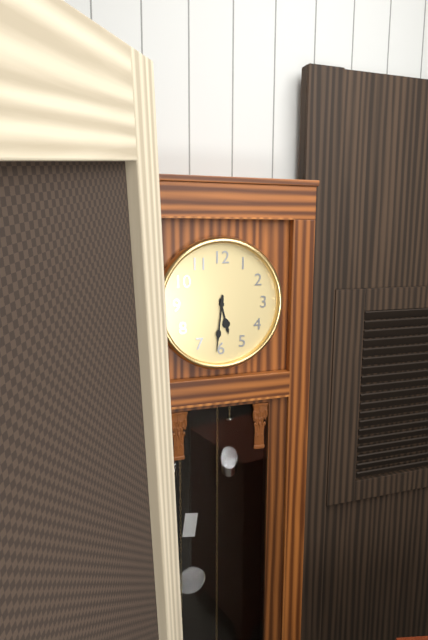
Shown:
5 h 31 min
